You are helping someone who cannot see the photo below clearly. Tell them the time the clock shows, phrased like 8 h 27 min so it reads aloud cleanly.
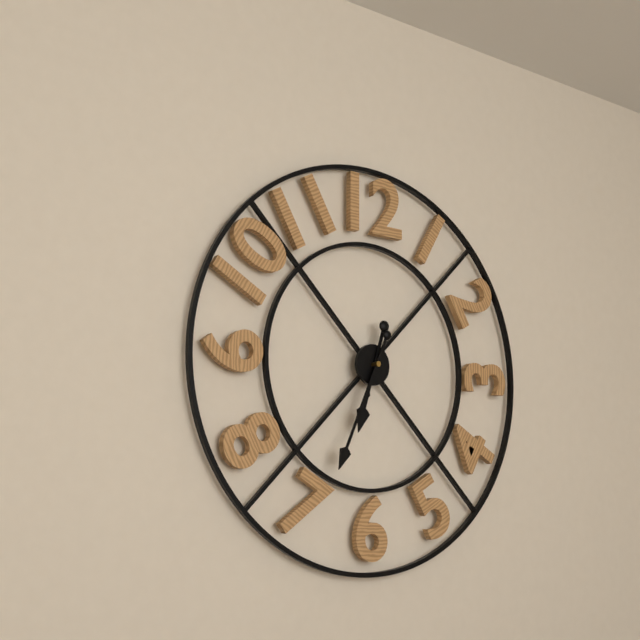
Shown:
6 h 34 min
